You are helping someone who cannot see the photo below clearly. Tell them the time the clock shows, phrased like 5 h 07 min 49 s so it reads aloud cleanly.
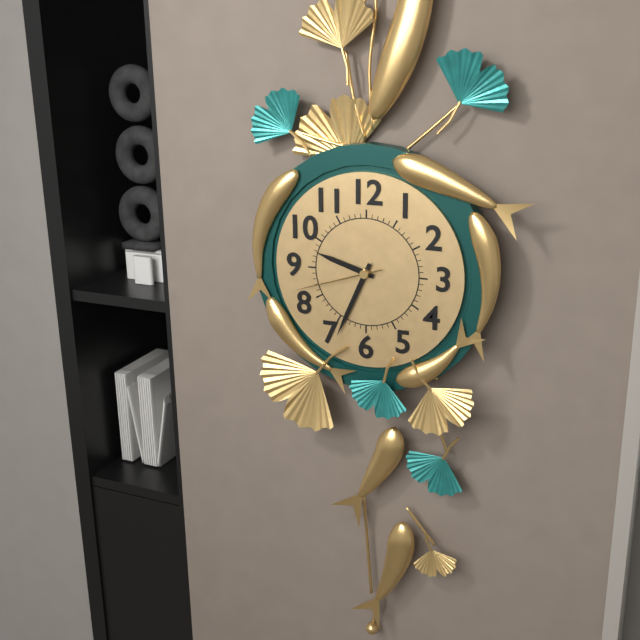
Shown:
9 h 34 min 42 s
